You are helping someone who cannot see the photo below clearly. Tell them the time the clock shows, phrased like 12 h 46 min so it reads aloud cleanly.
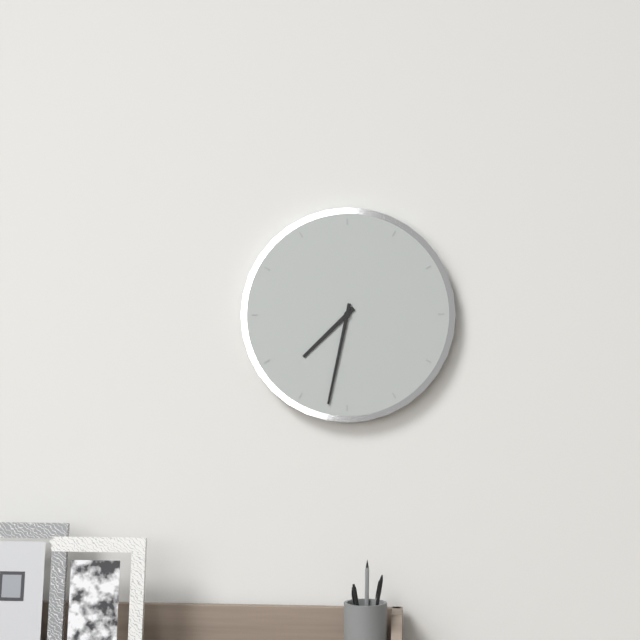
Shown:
7 h 32 min
